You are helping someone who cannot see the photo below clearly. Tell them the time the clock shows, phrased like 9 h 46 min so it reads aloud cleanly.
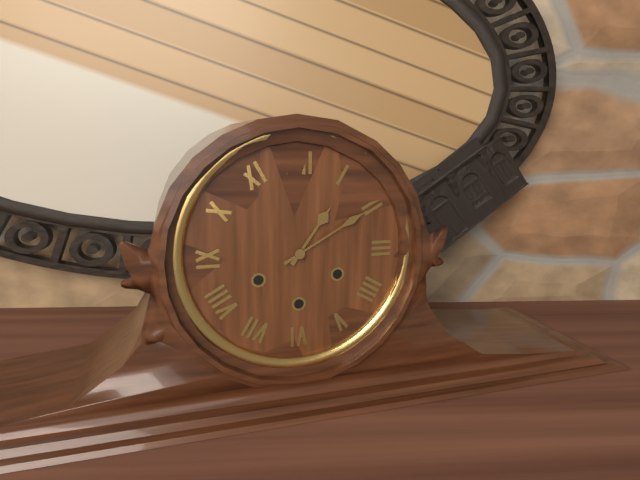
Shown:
1 h 10 min
